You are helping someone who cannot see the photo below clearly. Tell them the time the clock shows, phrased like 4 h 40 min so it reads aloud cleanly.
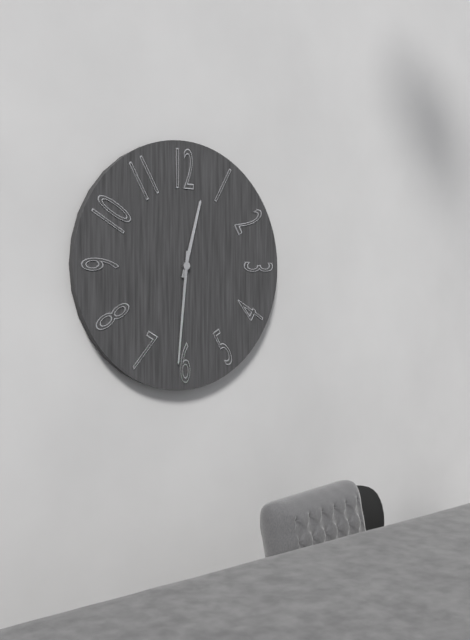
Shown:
12 h 31 min
